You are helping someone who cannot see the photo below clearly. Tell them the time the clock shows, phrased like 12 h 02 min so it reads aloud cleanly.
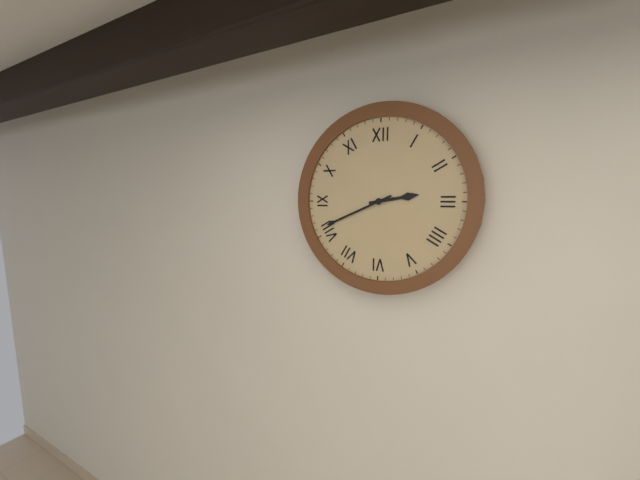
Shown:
2 h 41 min
